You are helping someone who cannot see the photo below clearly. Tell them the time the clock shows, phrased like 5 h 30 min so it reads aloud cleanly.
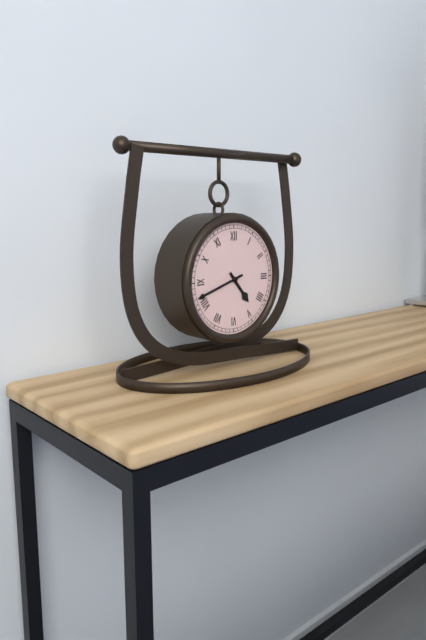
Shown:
4 h 42 min
